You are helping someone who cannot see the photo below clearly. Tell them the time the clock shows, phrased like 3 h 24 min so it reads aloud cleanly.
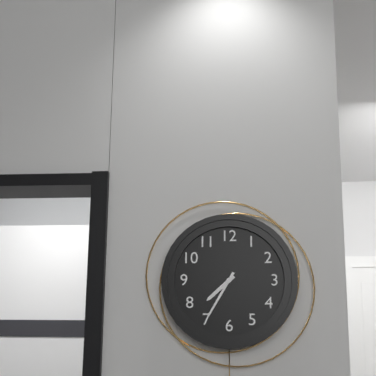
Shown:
7 h 35 min
